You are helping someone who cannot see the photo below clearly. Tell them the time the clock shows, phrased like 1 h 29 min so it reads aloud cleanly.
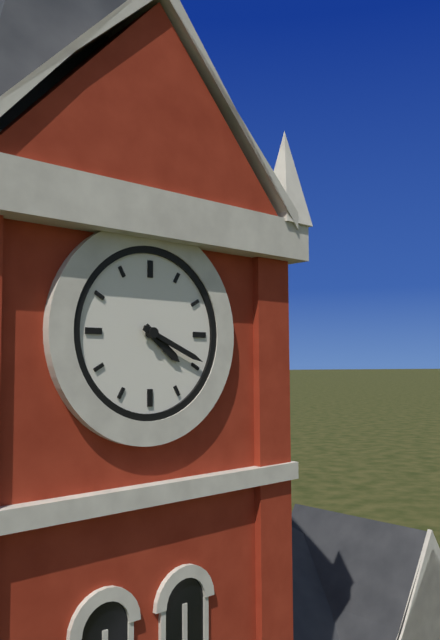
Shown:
4 h 19 min
